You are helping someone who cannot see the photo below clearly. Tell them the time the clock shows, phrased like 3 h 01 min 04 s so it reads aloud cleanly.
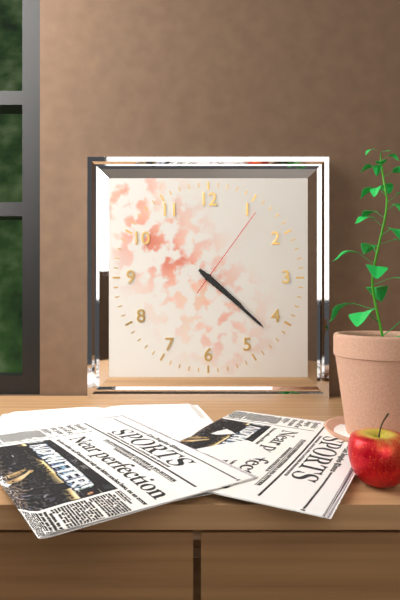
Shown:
4 h 22 min 06 s
